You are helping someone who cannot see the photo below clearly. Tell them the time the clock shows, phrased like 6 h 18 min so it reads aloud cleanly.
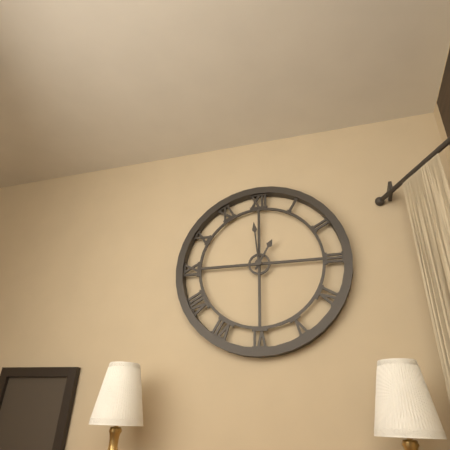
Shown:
12 h 59 min
